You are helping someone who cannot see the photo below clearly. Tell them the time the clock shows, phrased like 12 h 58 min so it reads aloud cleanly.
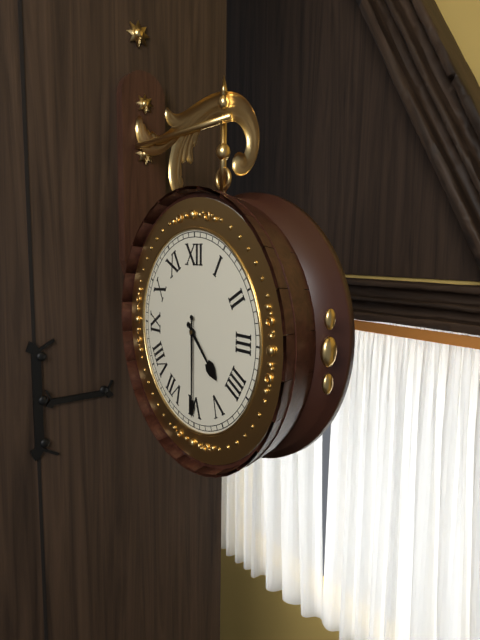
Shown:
4 h 30 min
